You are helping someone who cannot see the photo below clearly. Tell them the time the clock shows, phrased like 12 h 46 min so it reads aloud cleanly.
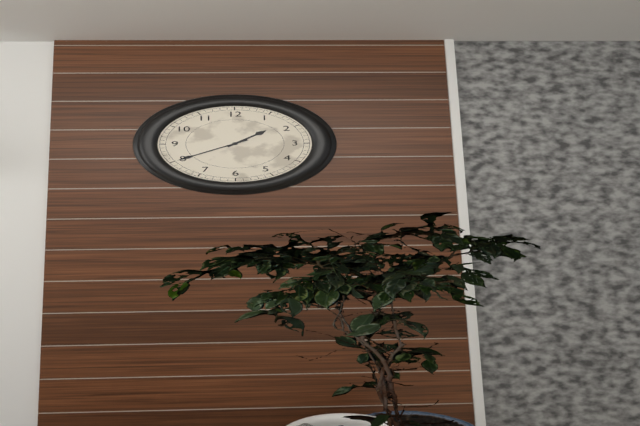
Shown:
1 h 40 min
